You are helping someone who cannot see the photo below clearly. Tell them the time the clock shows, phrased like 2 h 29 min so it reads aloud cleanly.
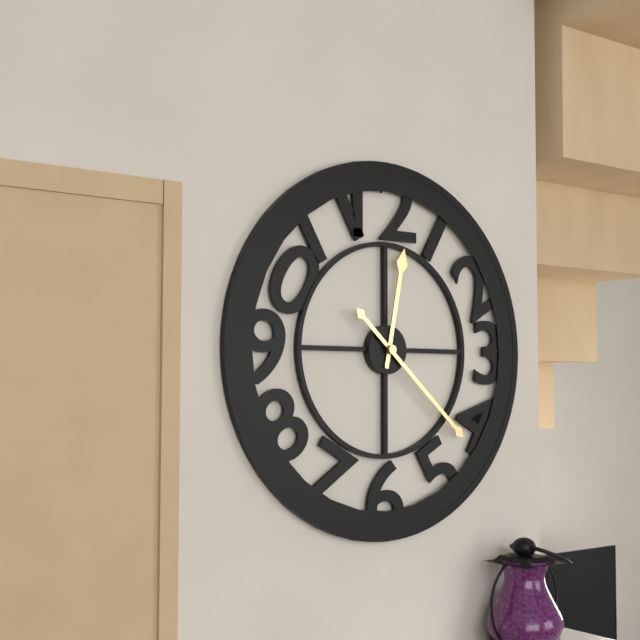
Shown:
12 h 22 min
